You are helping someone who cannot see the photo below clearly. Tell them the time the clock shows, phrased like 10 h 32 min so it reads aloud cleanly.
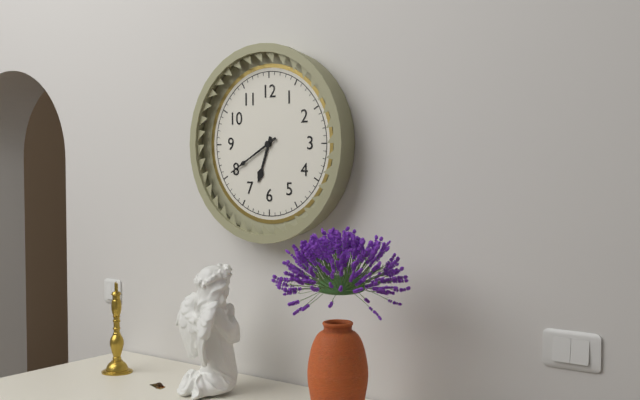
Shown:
6 h 40 min
